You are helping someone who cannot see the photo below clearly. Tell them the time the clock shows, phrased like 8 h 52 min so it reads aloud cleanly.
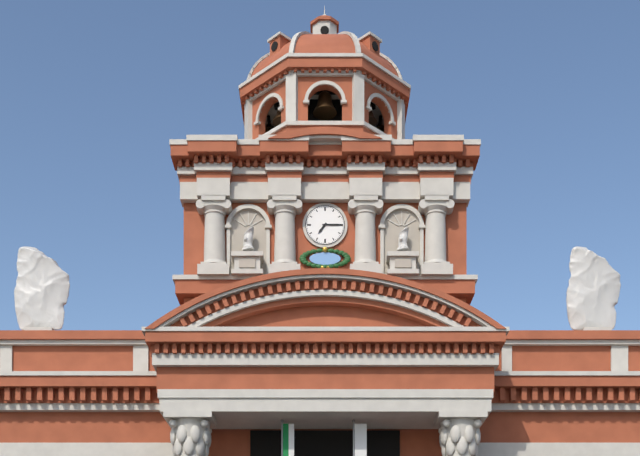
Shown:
7 h 15 min
